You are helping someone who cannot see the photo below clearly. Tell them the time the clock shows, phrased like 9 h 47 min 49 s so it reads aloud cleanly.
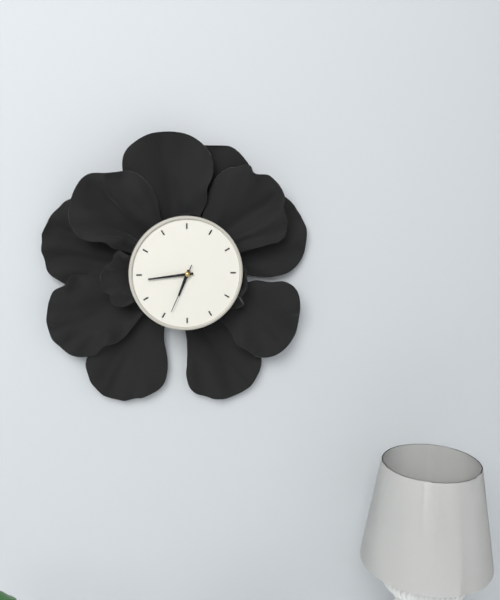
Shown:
6 h 44 min 34 s
